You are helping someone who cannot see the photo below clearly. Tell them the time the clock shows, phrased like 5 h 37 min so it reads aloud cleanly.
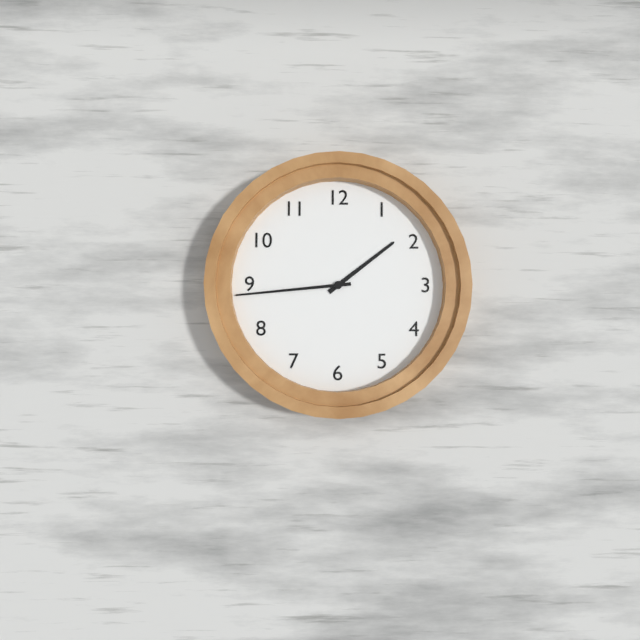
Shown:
1 h 44 min
